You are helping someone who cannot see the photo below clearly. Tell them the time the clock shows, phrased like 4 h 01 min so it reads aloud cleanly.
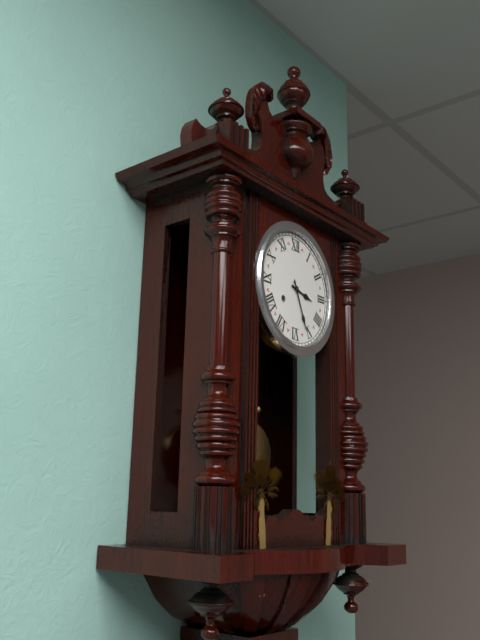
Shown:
3 h 26 min
